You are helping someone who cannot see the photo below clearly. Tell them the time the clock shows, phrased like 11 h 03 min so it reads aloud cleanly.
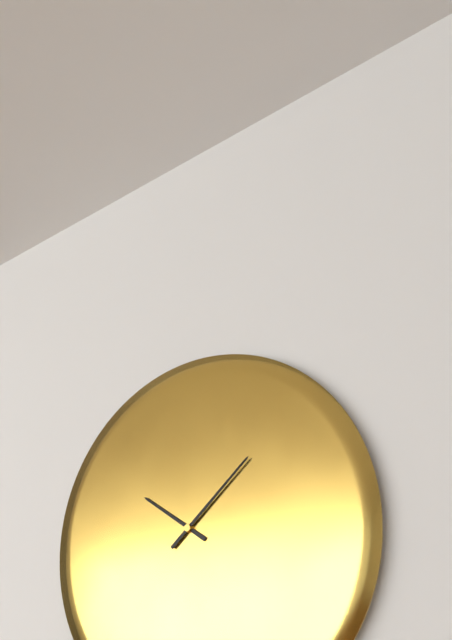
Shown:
10 h 08 min
